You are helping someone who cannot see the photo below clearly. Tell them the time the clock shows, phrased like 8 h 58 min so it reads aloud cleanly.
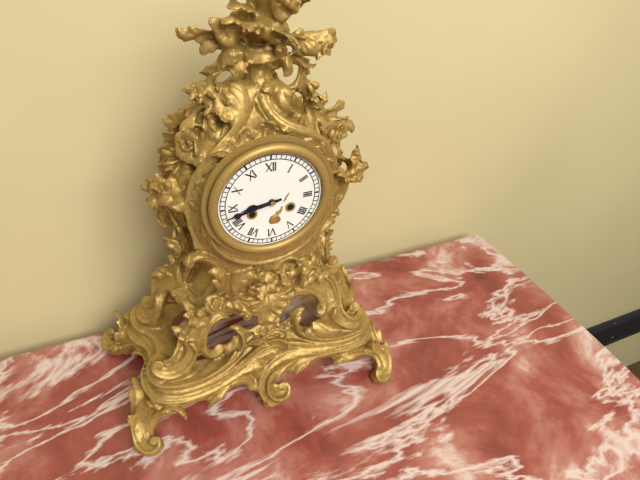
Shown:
8 h 43 min
